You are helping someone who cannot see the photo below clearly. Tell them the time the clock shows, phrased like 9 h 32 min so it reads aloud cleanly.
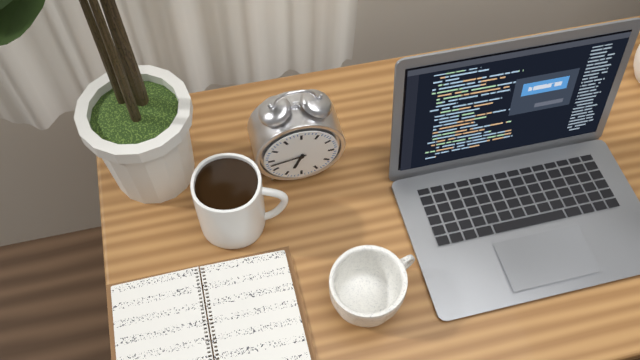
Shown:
6 h 43 min
